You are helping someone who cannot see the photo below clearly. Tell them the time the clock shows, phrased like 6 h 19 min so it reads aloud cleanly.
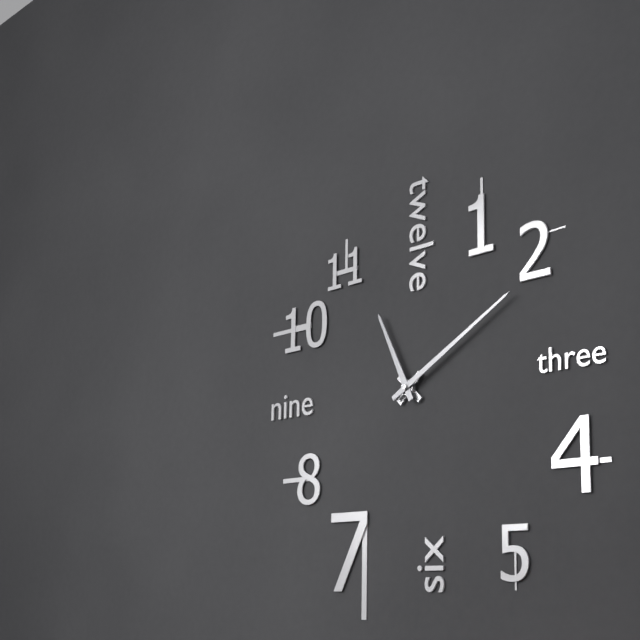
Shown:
11 h 10 min
